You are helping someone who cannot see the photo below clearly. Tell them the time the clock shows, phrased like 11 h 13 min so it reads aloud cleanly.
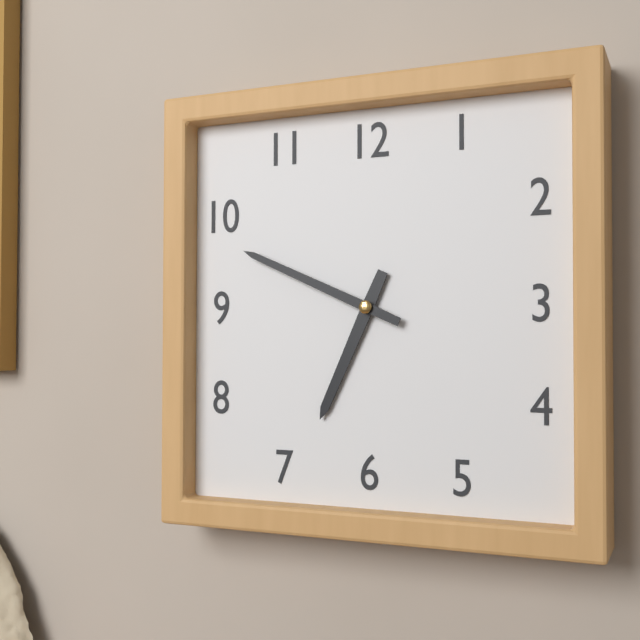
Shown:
6 h 49 min
